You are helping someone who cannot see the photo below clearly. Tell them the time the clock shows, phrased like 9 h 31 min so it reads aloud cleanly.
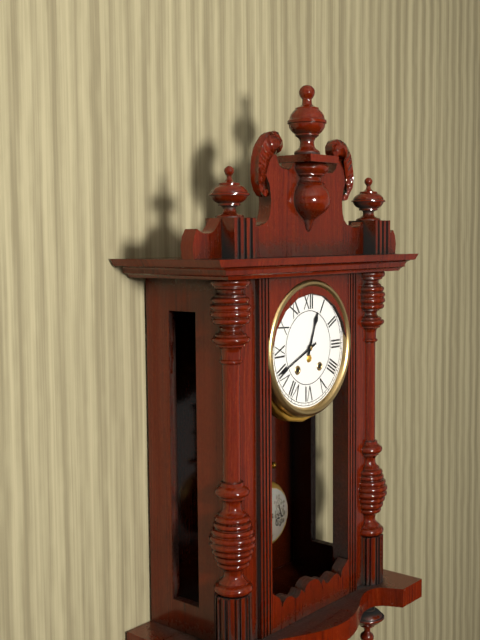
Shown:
12 h 41 min
